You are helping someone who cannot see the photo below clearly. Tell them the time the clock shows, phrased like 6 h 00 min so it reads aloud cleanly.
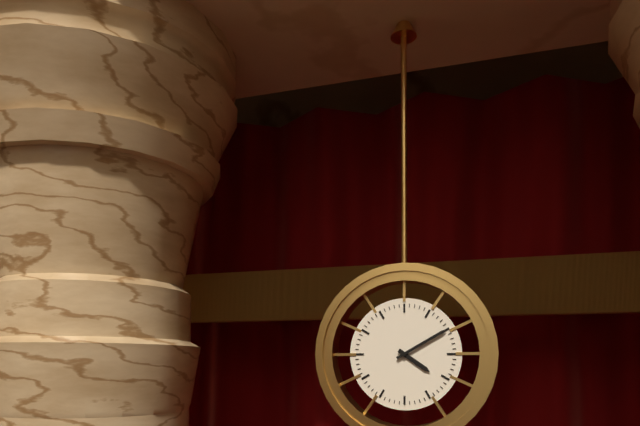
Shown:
4 h 10 min
